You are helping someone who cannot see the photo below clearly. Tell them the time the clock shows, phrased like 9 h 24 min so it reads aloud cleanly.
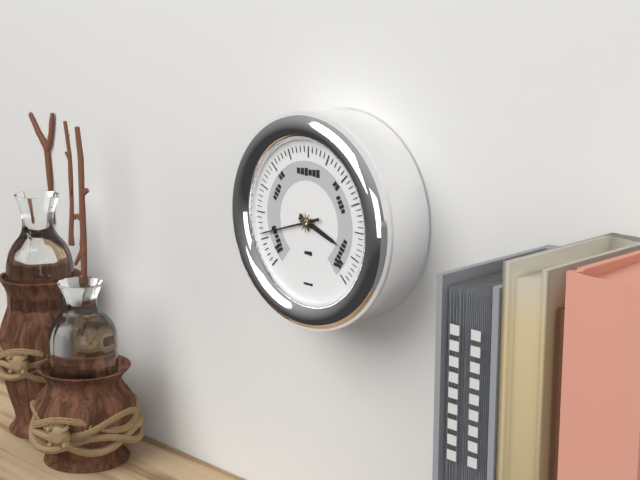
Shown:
3 h 42 min
